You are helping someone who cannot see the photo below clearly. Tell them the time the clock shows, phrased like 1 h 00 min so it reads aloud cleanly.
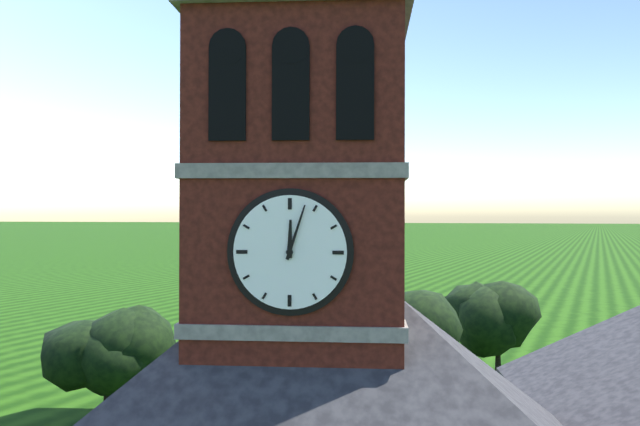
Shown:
12 h 03 min
